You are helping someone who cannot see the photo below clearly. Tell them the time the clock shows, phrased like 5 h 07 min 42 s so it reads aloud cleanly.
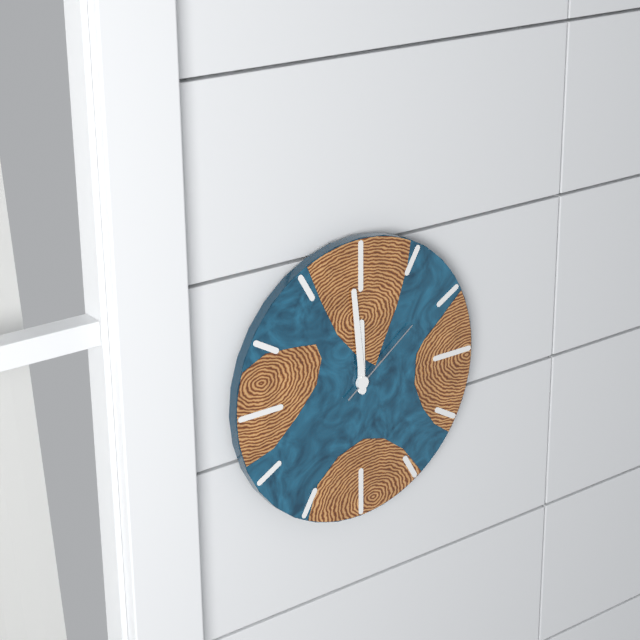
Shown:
11 h 59 min 09 s
